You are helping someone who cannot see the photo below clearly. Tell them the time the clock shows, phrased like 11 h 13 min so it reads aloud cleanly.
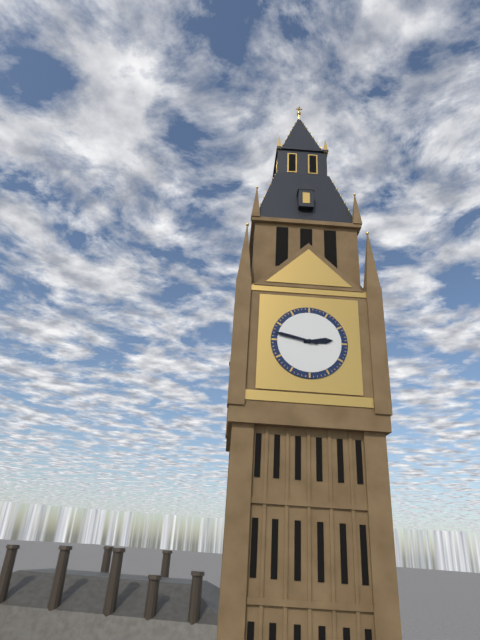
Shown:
2 h 47 min
